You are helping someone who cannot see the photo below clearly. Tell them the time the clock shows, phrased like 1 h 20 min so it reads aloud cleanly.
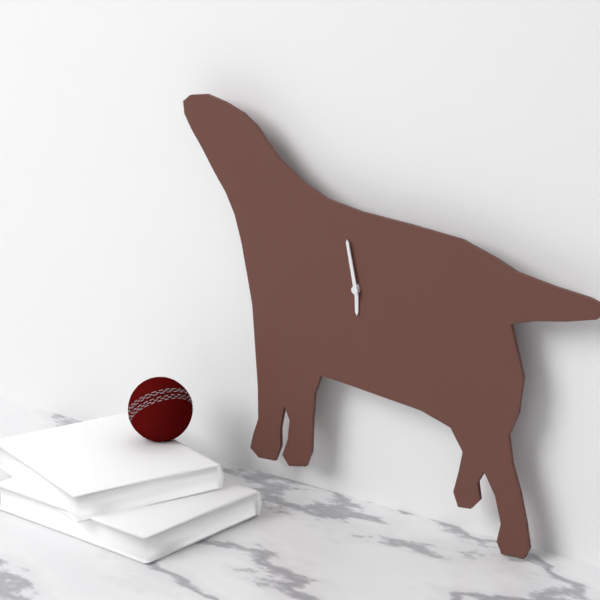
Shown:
5 h 58 min
